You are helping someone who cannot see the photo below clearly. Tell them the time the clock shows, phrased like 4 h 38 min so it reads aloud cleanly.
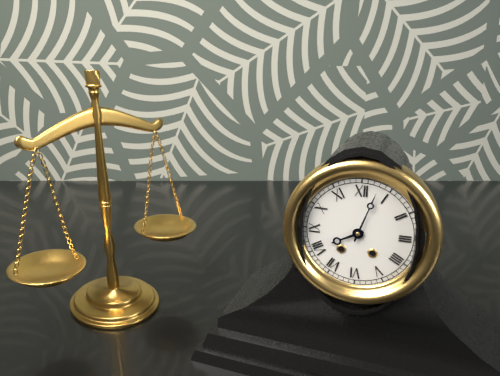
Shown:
8 h 03 min
